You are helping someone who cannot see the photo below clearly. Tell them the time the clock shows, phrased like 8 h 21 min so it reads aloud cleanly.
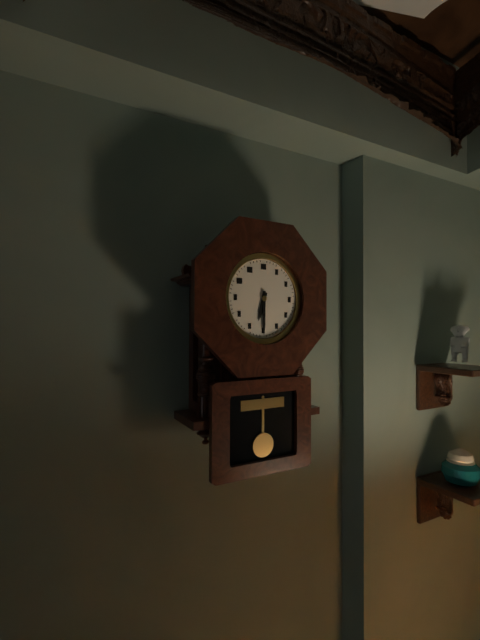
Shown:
6 h 30 min
